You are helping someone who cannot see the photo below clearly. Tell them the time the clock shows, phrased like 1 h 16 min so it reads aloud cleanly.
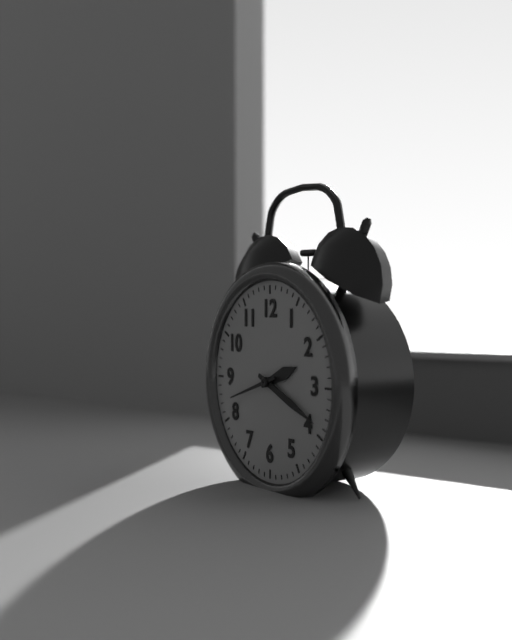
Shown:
2 h 19 min
